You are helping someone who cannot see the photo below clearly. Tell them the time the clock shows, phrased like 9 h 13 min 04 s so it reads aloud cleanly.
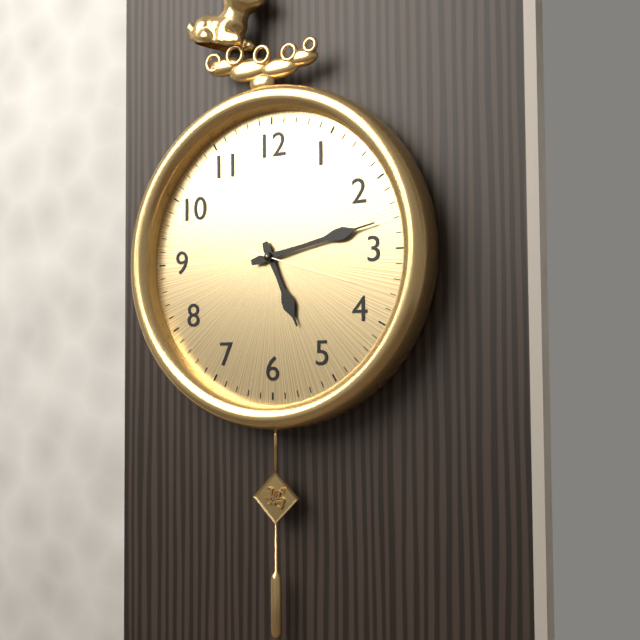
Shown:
5 h 13 min 18 s
